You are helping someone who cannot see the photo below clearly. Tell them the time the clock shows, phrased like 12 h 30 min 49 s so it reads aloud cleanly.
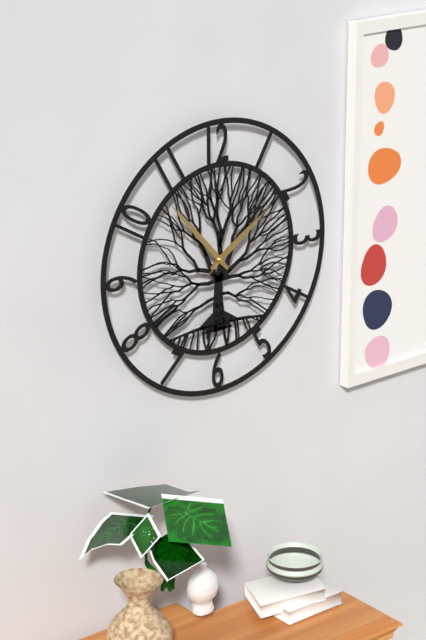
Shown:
1 h 53 min 09 s
